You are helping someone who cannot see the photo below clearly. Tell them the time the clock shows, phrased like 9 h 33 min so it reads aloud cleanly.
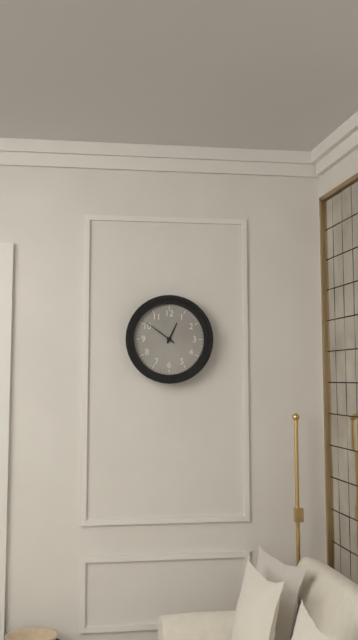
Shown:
12 h 51 min
